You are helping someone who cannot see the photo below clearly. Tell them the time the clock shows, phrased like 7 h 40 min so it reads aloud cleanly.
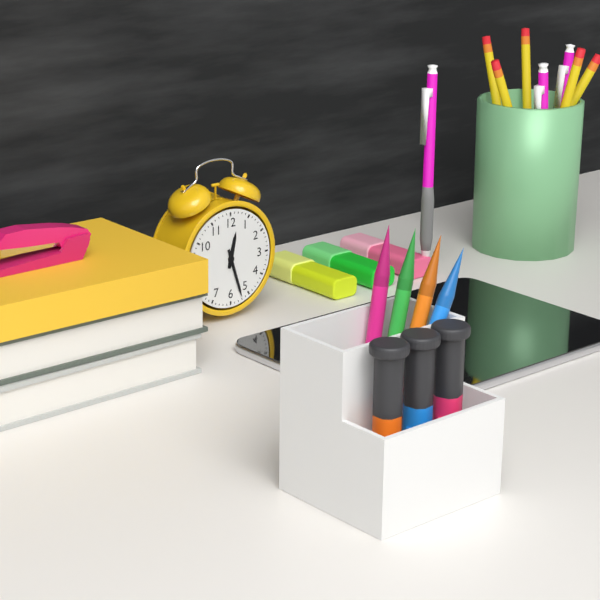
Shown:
12 h 27 min
